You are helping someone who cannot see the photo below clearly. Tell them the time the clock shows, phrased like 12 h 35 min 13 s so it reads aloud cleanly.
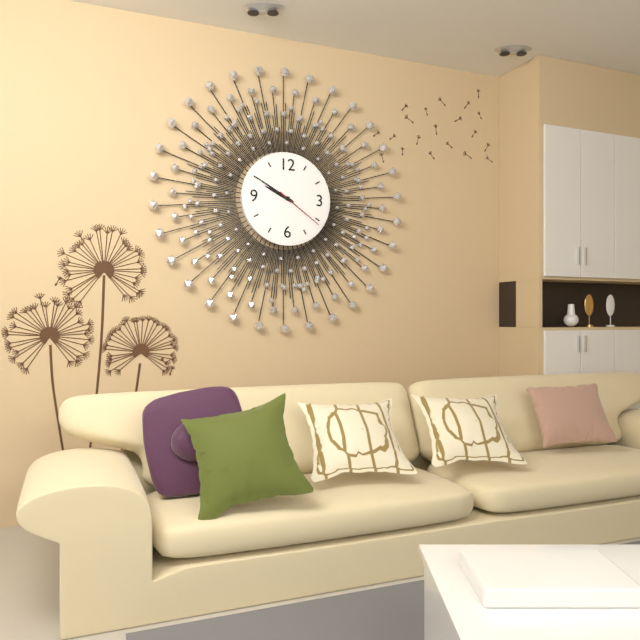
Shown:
9 h 50 min 21 s
